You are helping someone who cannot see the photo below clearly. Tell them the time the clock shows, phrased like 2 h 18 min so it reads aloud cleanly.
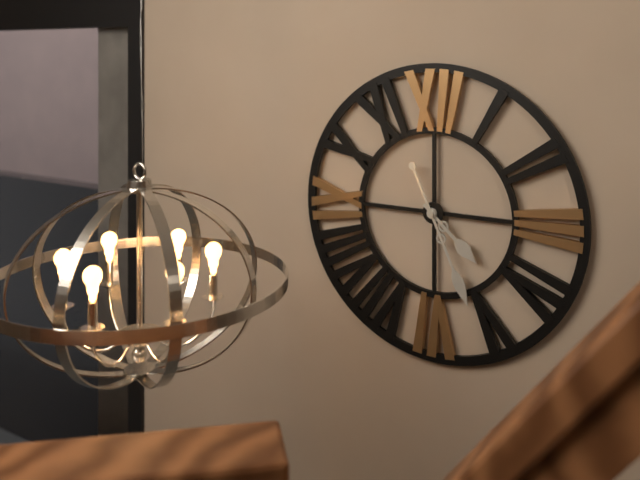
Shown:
4 h 26 min
